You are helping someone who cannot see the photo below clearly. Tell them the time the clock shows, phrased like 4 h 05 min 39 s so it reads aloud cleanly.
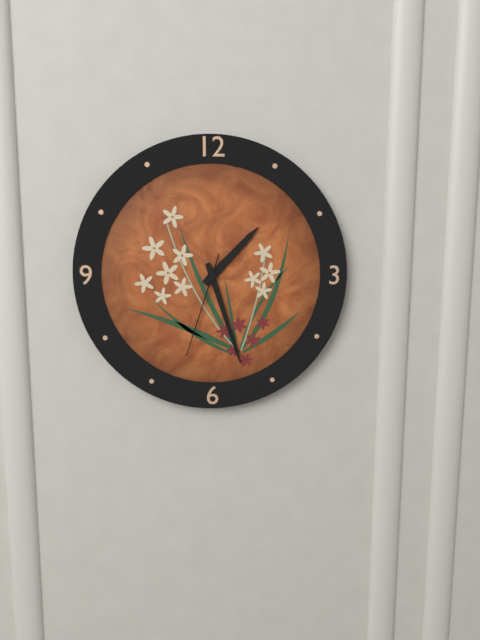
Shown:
1 h 27 min 33 s
